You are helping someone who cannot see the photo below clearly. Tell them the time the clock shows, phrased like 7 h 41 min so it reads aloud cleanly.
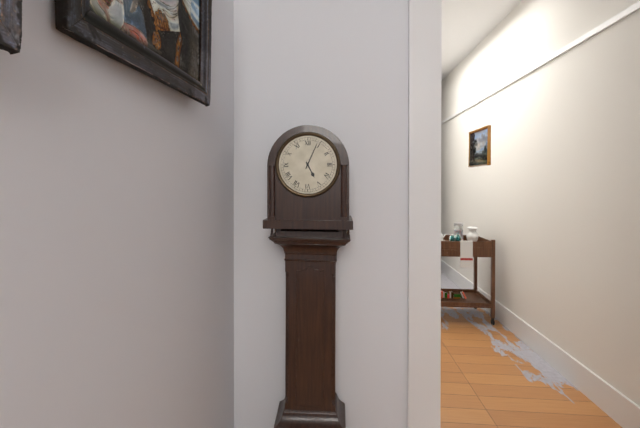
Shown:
5 h 04 min
